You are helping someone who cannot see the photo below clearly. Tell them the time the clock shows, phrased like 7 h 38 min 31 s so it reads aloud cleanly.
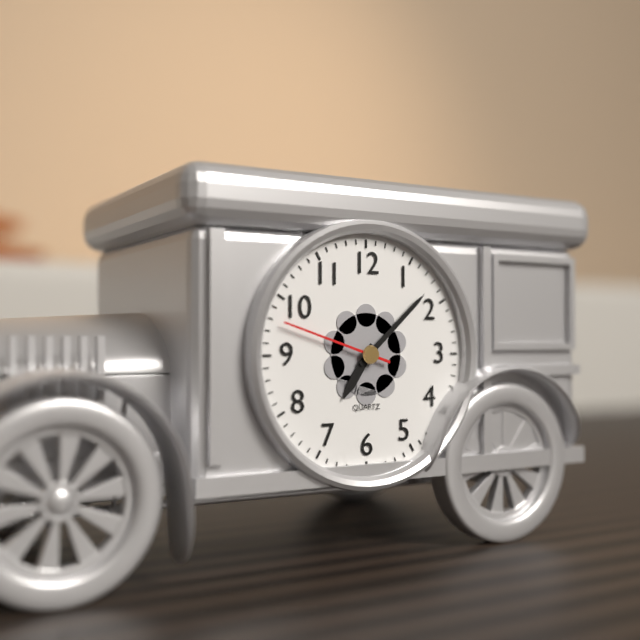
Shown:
7 h 08 min 48 s
